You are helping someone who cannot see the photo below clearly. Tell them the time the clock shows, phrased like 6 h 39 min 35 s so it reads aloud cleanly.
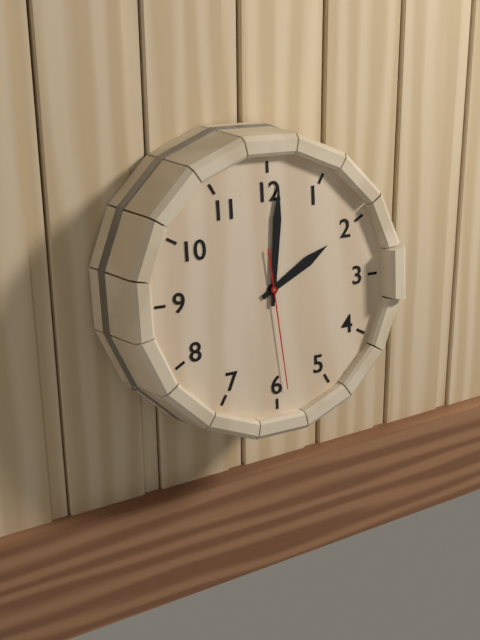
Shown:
2 h 01 min 29 s
